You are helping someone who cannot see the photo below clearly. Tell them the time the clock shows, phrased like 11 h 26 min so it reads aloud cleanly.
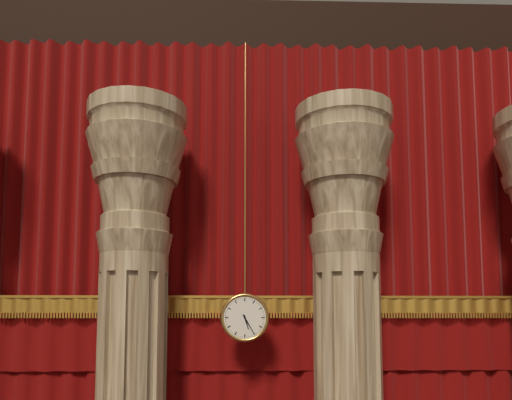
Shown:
5 h 25 min
